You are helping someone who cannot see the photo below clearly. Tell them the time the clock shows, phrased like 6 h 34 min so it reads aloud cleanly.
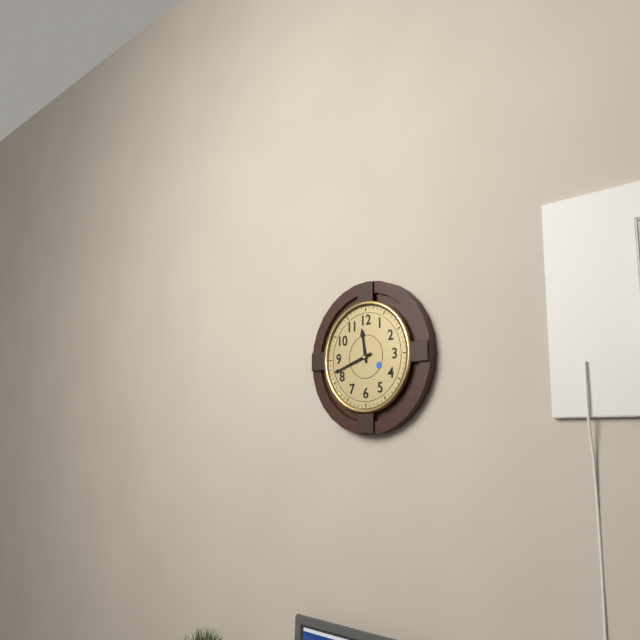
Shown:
11 h 42 min
